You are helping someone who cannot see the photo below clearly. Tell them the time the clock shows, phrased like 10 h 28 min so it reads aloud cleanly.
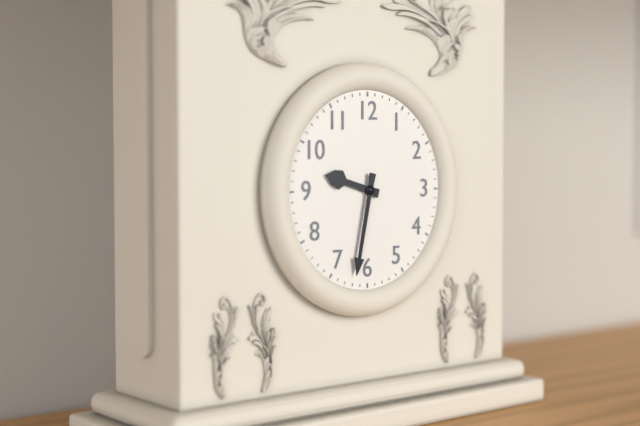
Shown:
9 h 32 min
